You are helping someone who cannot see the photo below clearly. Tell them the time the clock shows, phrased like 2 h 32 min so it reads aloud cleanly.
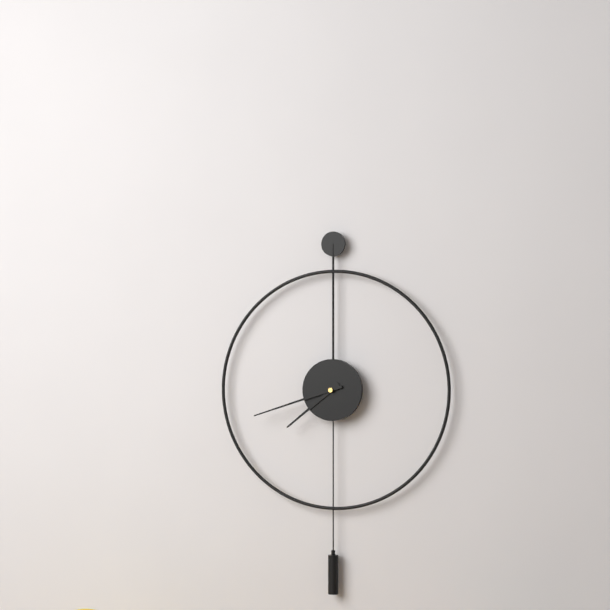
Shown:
7 h 42 min
